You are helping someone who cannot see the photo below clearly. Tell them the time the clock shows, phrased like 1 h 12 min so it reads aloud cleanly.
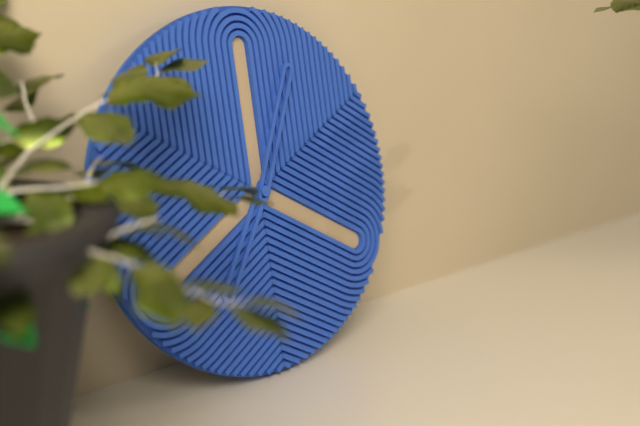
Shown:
7 h 04 min
